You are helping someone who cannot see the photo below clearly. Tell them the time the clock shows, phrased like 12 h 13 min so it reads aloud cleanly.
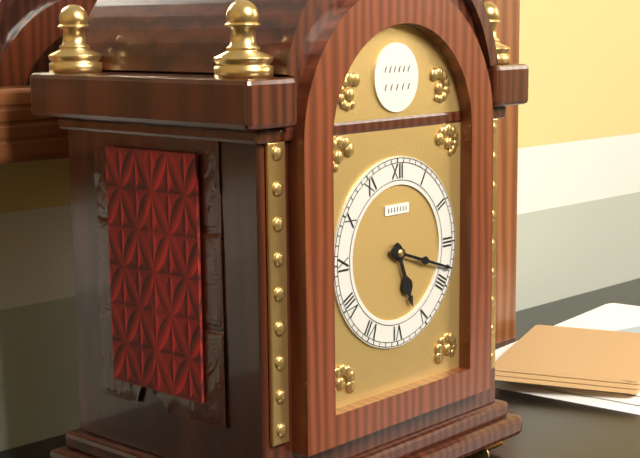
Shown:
5 h 18 min
